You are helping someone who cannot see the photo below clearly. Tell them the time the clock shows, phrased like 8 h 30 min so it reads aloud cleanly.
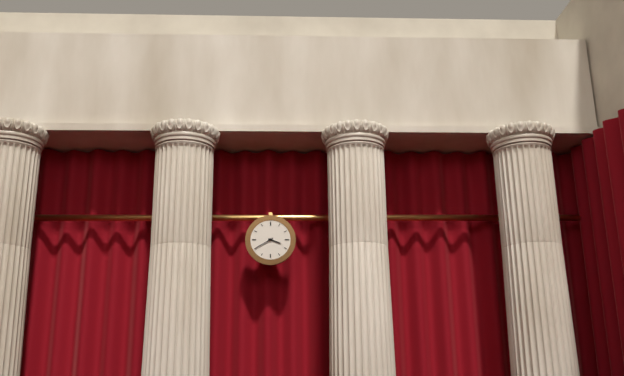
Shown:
3 h 40 min
